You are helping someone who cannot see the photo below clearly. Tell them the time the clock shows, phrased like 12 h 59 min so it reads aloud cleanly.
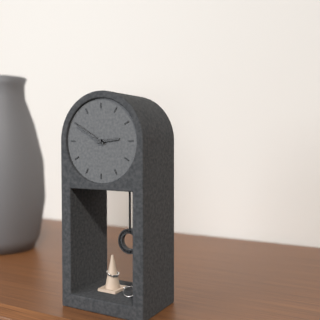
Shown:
2 h 50 min
